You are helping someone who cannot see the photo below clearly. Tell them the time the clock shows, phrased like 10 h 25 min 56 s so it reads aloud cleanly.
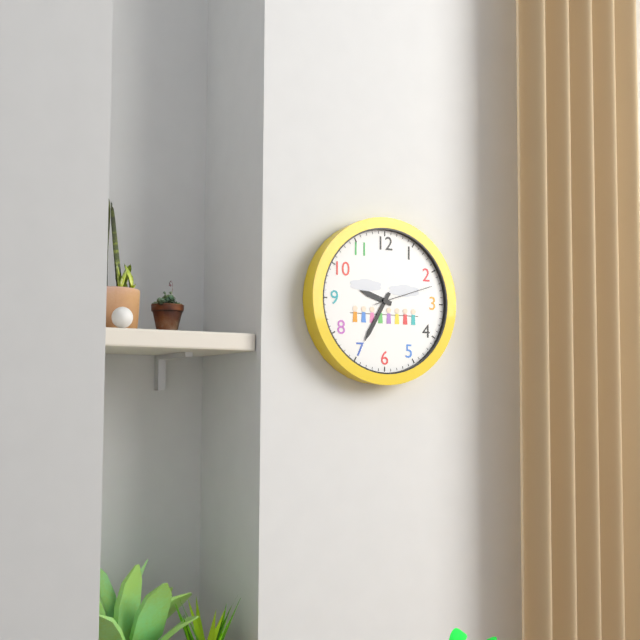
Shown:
9 h 35 min 12 s
